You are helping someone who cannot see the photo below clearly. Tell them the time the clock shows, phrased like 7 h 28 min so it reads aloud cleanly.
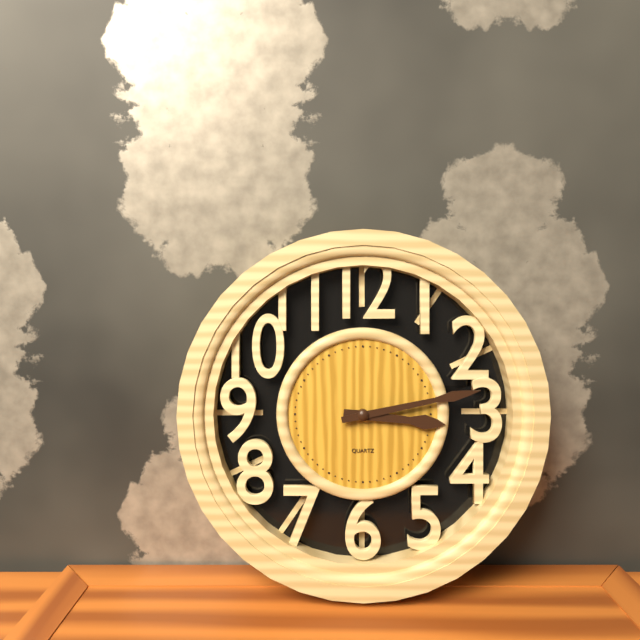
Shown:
3 h 13 min
